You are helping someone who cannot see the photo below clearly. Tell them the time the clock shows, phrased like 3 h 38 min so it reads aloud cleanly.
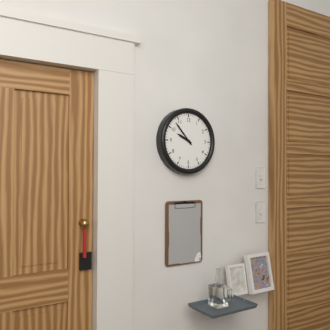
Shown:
9 h 53 min
